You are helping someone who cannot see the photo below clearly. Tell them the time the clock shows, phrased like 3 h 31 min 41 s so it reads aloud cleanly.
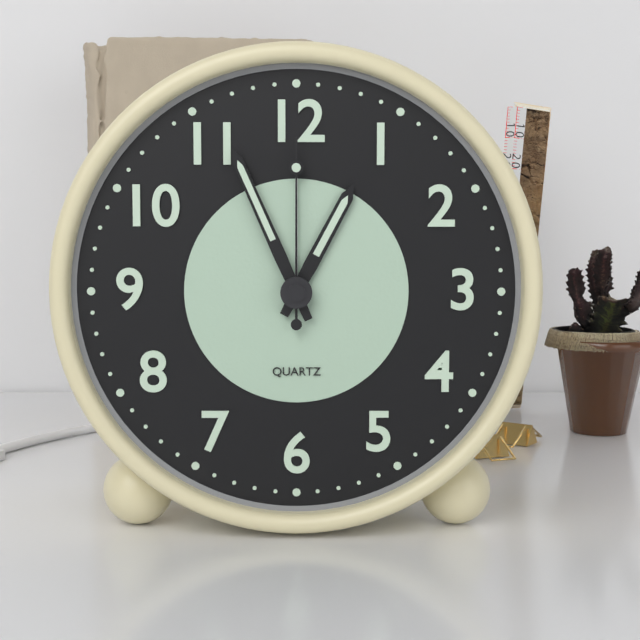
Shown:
12 h 56 min 00 s
